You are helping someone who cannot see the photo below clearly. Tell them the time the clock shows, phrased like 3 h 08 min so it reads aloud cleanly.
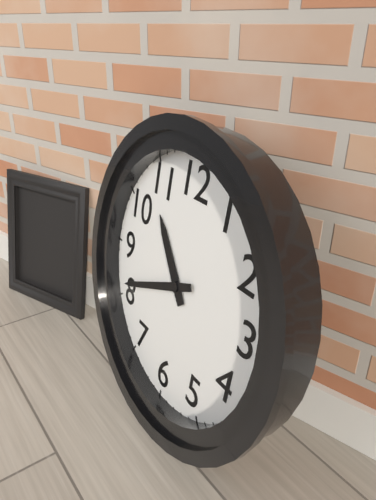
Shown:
10 h 41 min
